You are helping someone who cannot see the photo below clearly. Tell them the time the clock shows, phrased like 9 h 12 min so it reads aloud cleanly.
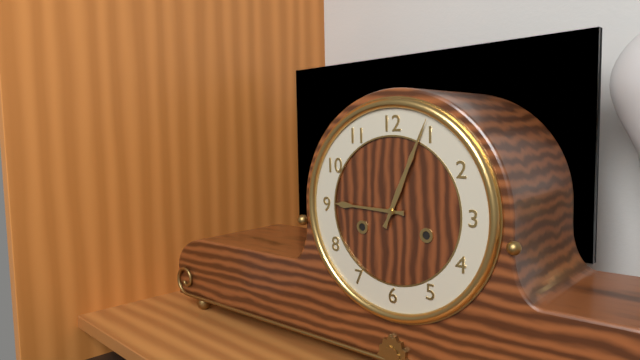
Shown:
9 h 04 min
